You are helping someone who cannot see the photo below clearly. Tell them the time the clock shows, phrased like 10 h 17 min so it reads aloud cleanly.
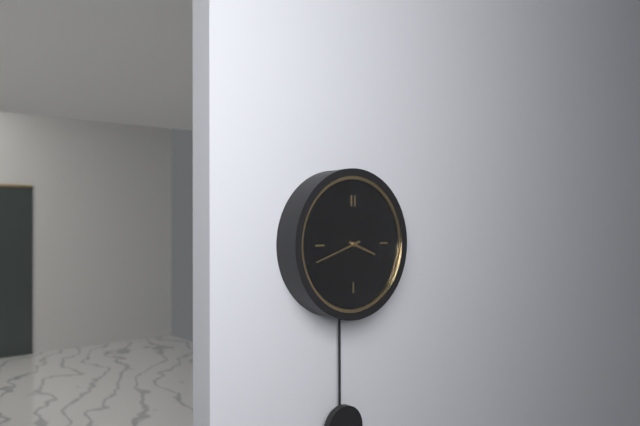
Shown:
3 h 42 min
